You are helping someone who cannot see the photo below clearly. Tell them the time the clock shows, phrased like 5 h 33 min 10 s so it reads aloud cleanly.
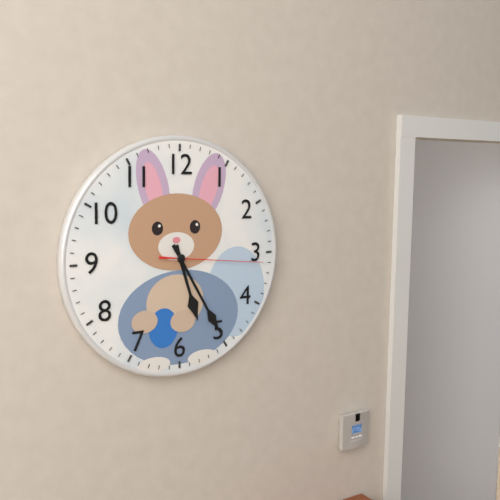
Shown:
5 h 25 min 16 s
